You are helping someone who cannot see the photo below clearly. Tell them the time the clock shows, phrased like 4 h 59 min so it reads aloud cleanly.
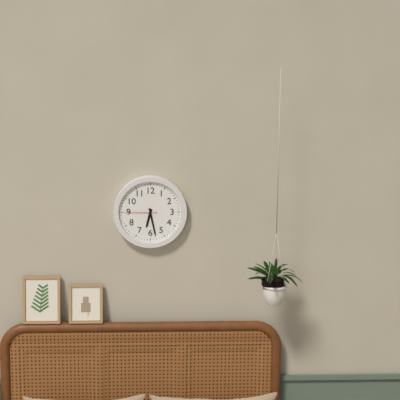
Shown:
6 h 28 min
